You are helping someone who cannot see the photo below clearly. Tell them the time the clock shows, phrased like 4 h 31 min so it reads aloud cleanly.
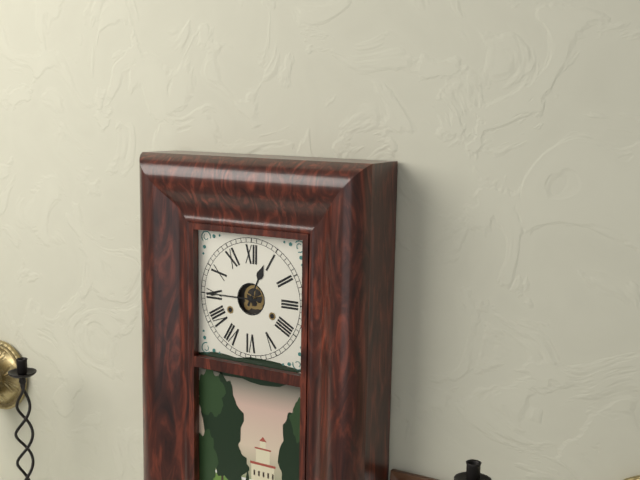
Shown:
12 h 45 min
